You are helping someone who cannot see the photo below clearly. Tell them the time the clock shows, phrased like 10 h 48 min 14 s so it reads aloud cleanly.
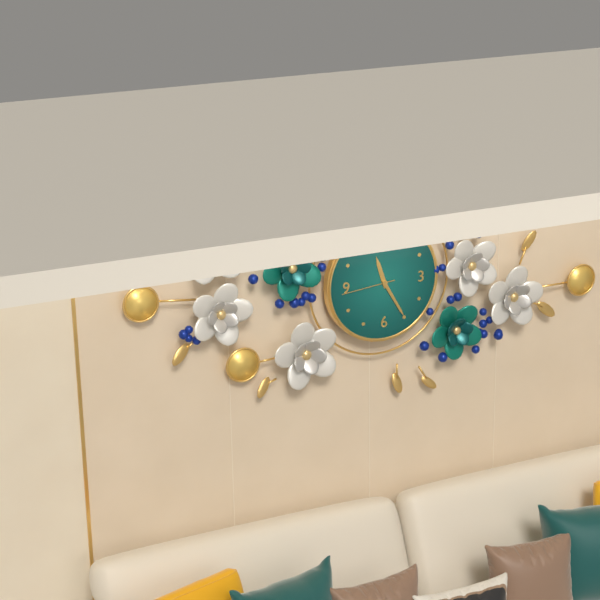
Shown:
11 h 25 min 44 s
